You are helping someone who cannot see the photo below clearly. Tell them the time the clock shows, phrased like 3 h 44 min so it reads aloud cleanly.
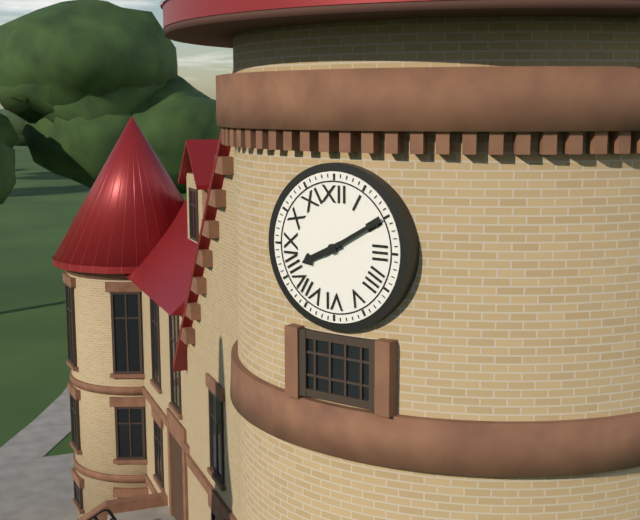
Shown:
8 h 10 min
